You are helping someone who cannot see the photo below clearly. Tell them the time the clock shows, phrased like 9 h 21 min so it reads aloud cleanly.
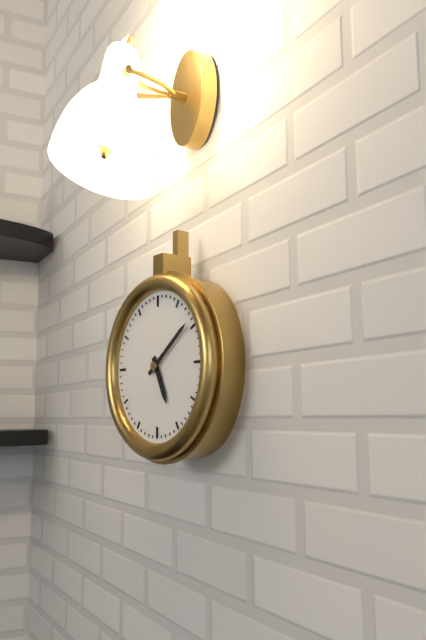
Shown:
5 h 09 min
